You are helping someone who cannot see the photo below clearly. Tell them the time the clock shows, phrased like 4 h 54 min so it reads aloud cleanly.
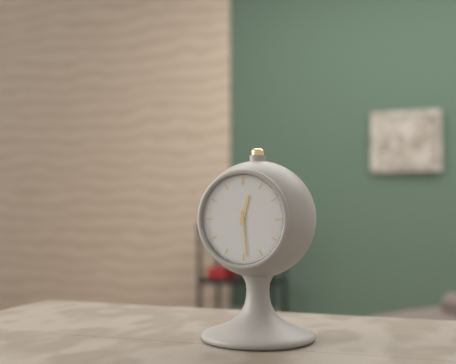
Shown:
12 h 29 min
